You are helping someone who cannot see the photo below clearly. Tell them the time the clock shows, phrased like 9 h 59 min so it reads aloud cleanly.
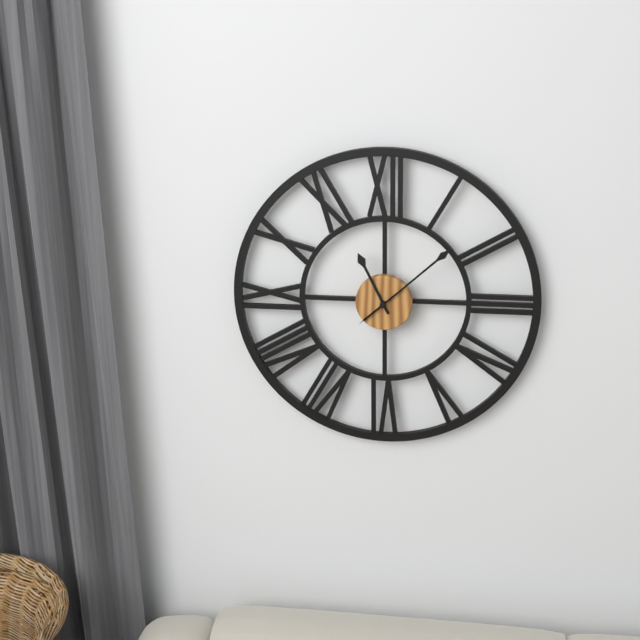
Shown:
11 h 08 min
